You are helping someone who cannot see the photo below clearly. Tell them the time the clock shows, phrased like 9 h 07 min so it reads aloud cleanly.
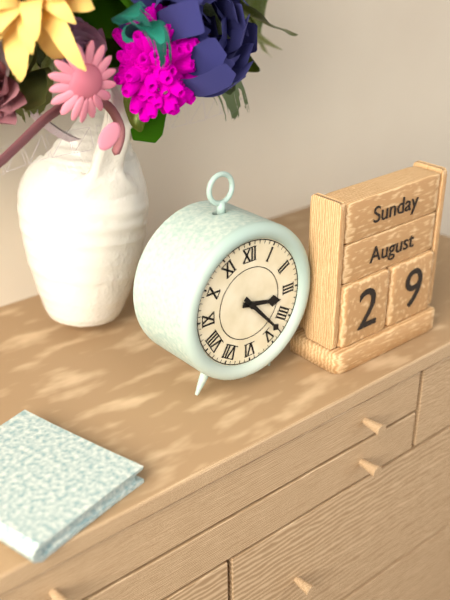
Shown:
3 h 23 min
